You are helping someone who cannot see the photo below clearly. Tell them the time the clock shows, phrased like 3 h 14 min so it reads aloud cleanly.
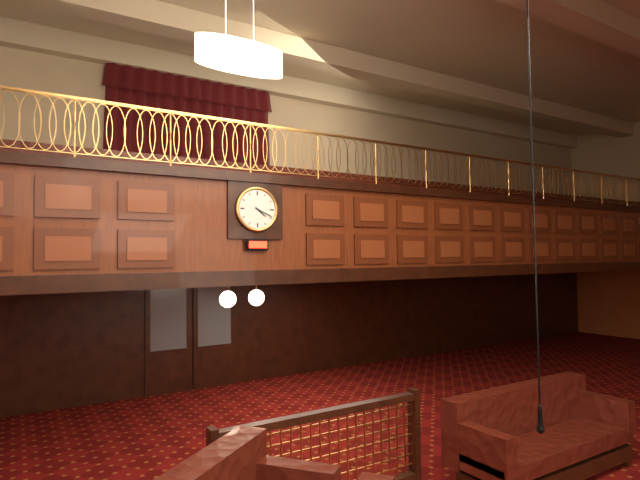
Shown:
4 h 19 min
